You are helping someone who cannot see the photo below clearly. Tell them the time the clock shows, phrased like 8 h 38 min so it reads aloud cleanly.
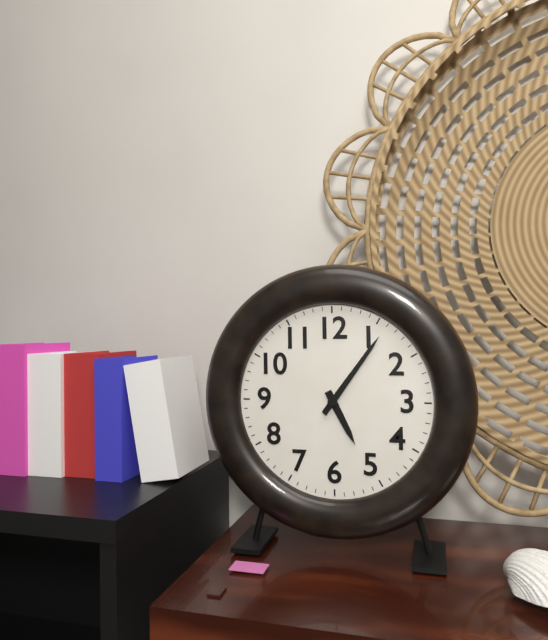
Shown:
5 h 06 min
